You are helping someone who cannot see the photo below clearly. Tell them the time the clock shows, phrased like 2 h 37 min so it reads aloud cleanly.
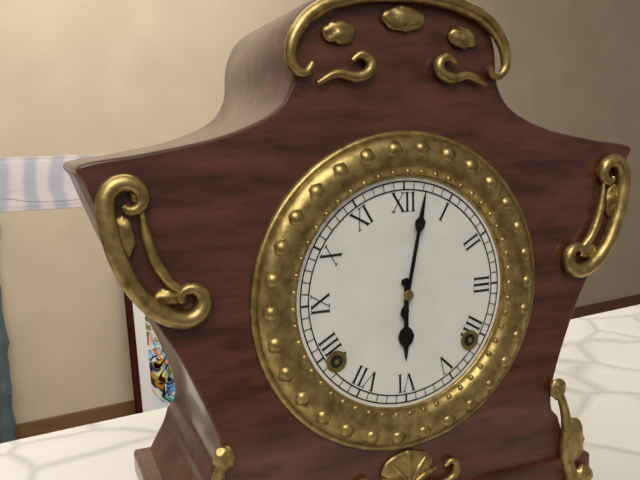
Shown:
6 h 02 min
